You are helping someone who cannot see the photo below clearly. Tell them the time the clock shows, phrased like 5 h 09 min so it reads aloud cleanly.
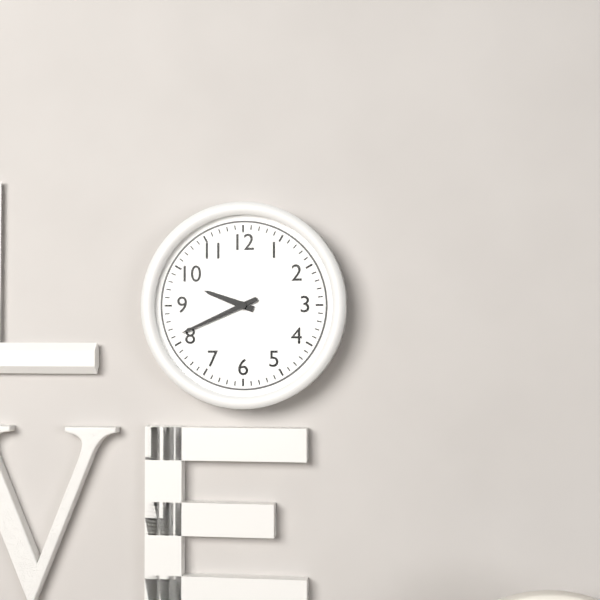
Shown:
9 h 41 min
